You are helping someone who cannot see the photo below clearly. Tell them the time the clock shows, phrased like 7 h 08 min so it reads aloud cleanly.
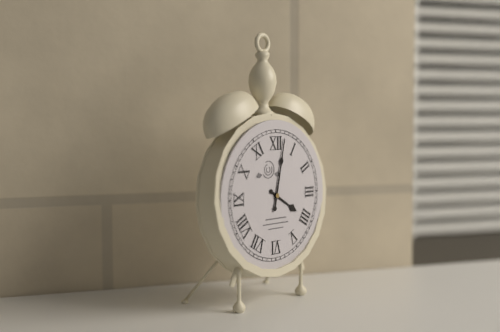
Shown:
4 h 02 min
